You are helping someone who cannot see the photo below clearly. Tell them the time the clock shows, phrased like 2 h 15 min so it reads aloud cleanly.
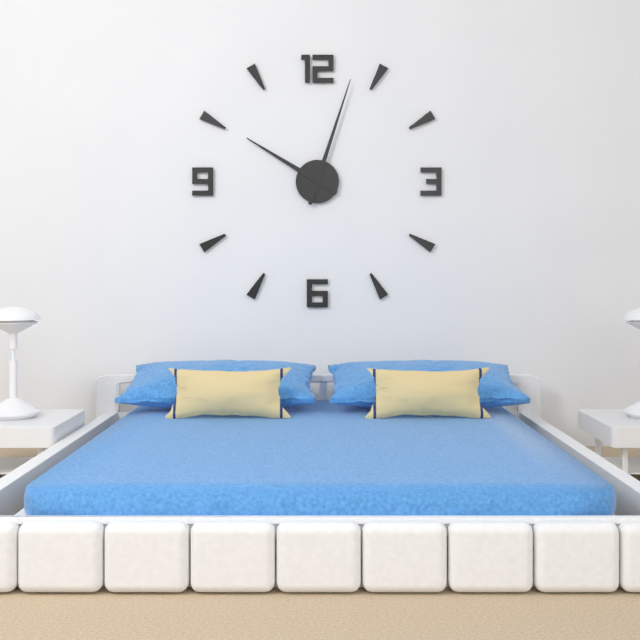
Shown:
10 h 03 min
